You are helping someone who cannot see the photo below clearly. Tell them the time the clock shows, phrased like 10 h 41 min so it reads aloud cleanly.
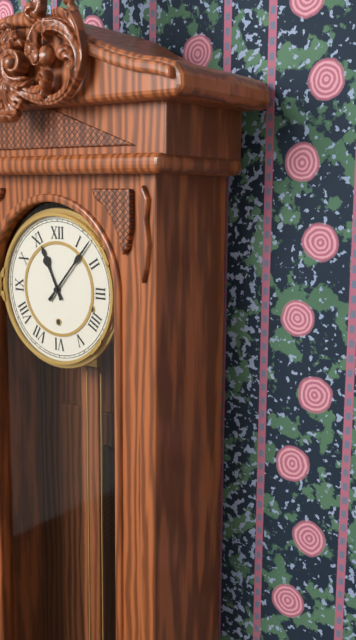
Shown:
11 h 07 min
